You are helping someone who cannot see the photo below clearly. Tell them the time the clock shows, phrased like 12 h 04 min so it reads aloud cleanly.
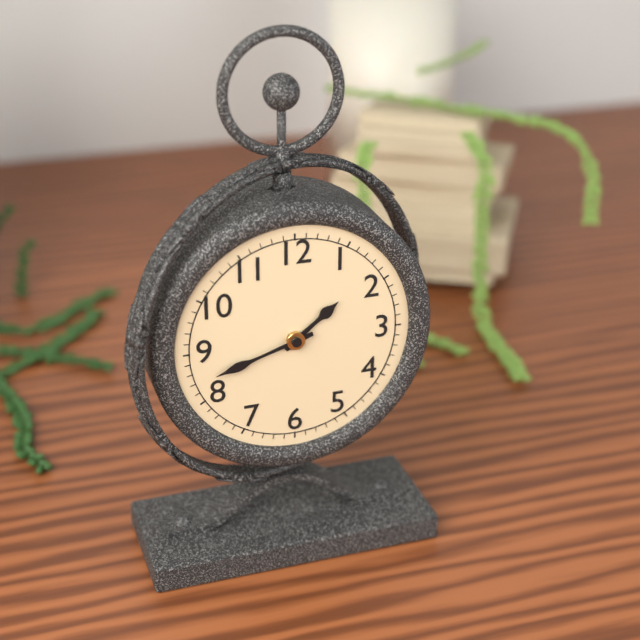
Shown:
1 h 42 min
